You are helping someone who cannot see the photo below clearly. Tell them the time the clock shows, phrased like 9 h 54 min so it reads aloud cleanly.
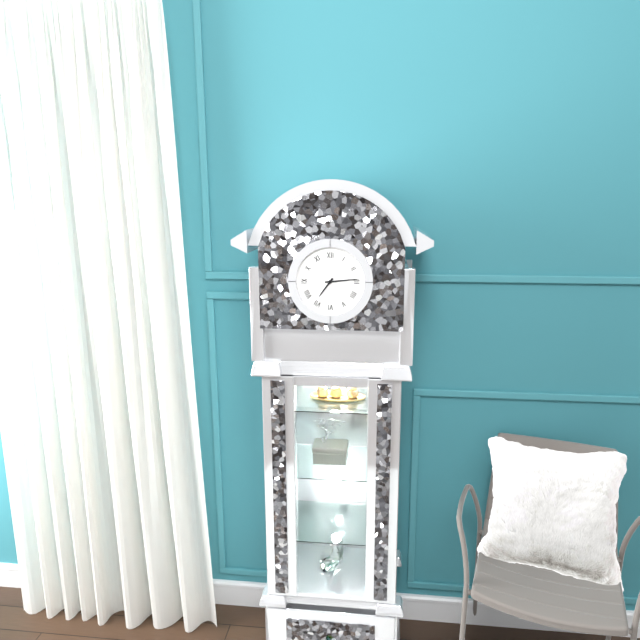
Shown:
7 h 14 min
